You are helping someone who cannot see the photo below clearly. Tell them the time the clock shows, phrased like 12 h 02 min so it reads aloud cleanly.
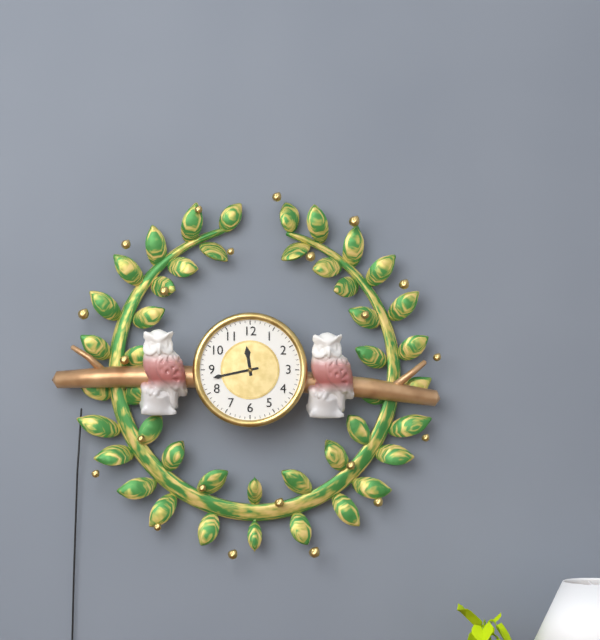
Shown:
11 h 43 min
